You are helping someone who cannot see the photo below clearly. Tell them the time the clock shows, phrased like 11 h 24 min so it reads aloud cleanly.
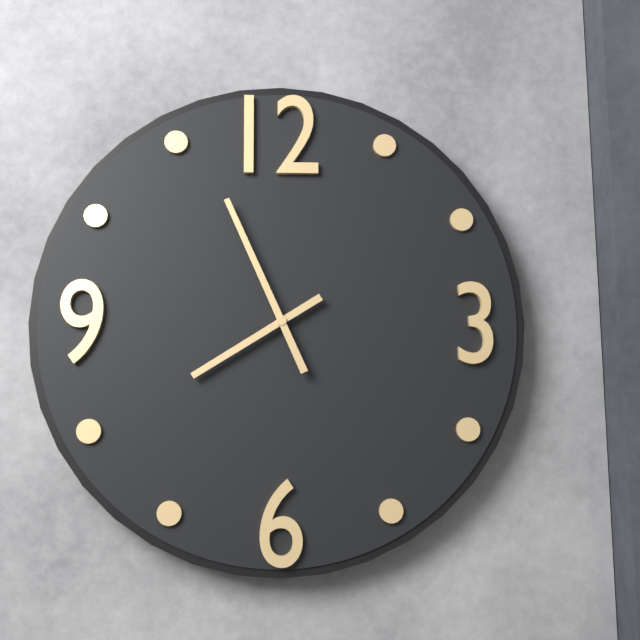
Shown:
7 h 56 min
